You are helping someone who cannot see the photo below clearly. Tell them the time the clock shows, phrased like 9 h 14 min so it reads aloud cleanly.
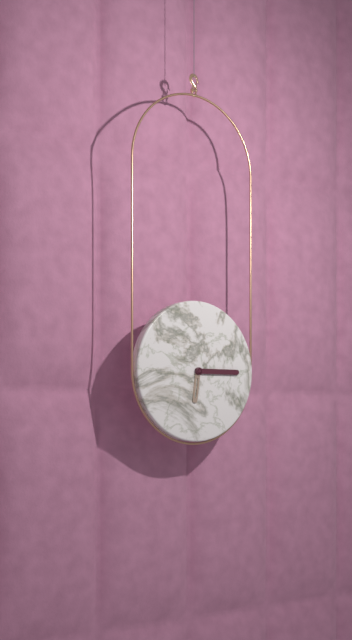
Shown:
6 h 15 min
